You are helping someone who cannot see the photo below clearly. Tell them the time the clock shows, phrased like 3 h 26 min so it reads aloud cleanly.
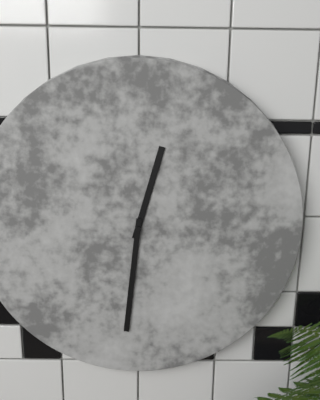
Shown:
12 h 31 min
